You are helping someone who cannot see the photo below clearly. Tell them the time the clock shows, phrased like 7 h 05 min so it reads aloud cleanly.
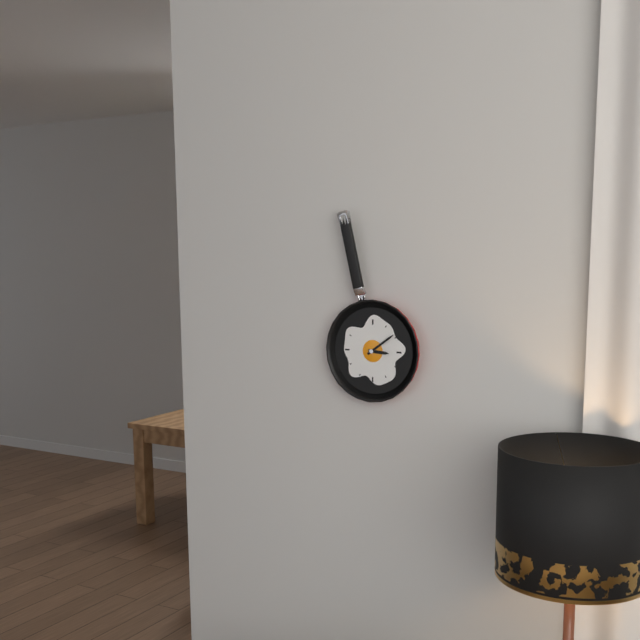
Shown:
3 h 09 min
